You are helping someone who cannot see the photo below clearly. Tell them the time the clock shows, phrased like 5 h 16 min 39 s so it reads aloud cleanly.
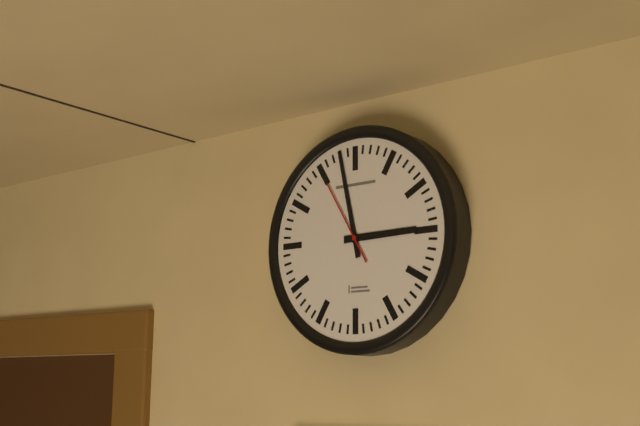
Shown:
2 h 58 min 55 s
